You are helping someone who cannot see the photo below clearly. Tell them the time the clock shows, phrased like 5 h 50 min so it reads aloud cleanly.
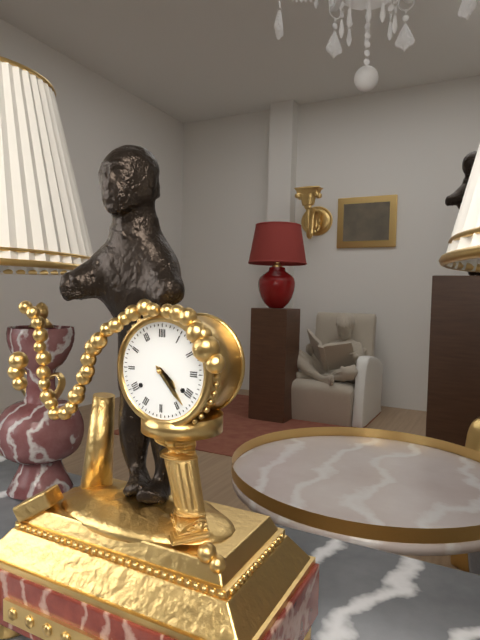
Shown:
4 h 23 min
